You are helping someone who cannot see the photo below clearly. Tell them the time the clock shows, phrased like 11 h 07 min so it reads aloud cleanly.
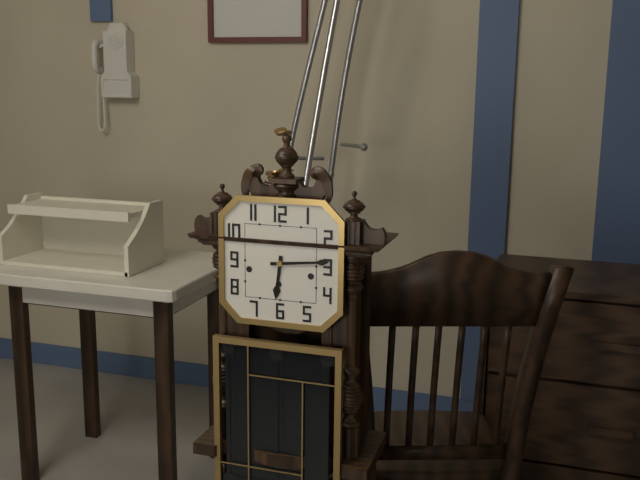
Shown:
6 h 14 min
